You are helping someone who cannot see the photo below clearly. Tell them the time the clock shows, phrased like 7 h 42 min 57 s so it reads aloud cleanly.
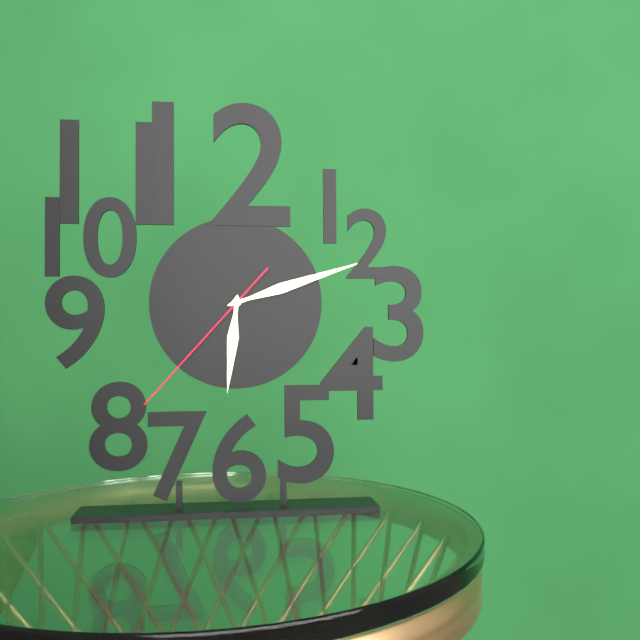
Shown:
6 h 12 min 37 s
